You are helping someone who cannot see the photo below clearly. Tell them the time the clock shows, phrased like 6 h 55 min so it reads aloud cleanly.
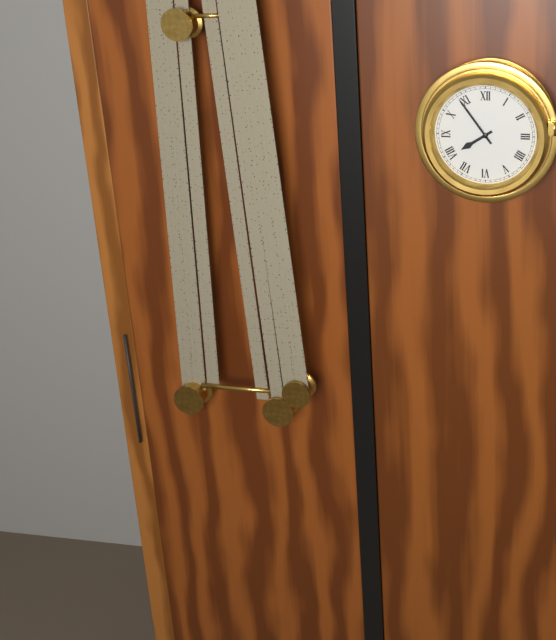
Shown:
7 h 54 min
